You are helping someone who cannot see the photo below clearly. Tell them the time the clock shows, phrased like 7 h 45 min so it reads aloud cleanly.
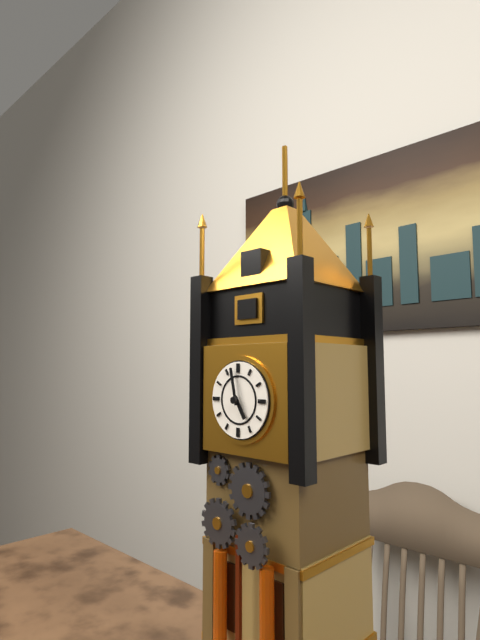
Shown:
4 h 58 min
